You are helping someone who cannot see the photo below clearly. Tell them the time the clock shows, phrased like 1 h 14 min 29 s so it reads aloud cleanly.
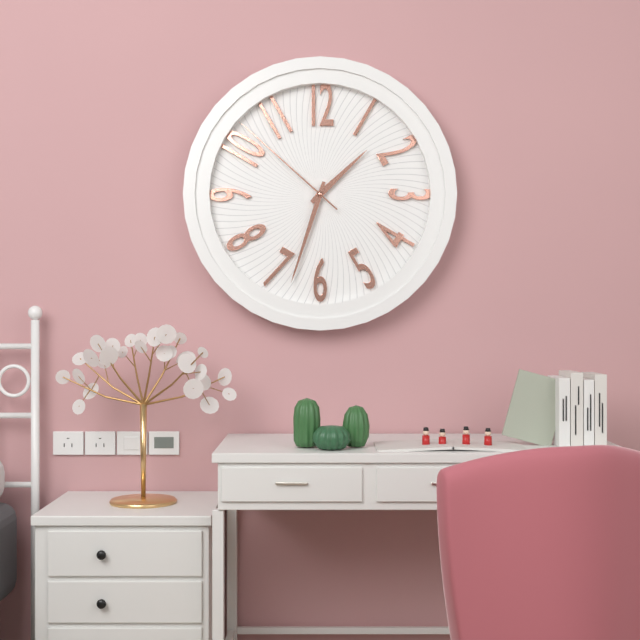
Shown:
1 h 33 min 52 s
